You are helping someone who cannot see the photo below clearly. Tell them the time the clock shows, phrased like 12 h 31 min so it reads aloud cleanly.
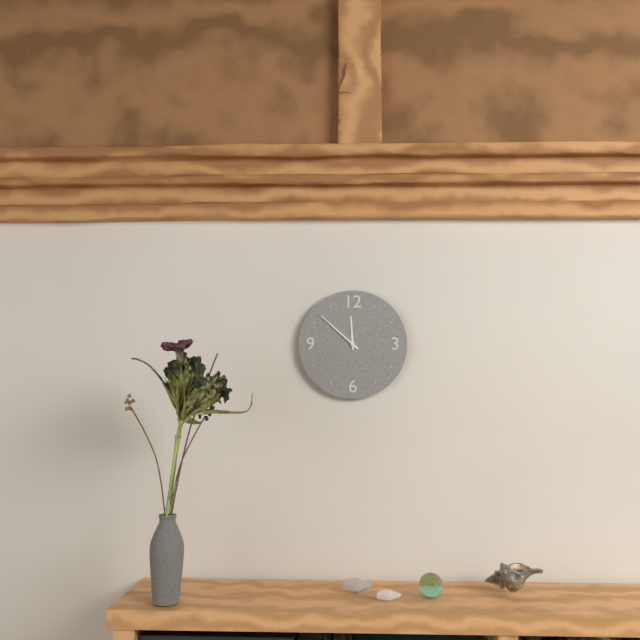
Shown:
11 h 52 min
